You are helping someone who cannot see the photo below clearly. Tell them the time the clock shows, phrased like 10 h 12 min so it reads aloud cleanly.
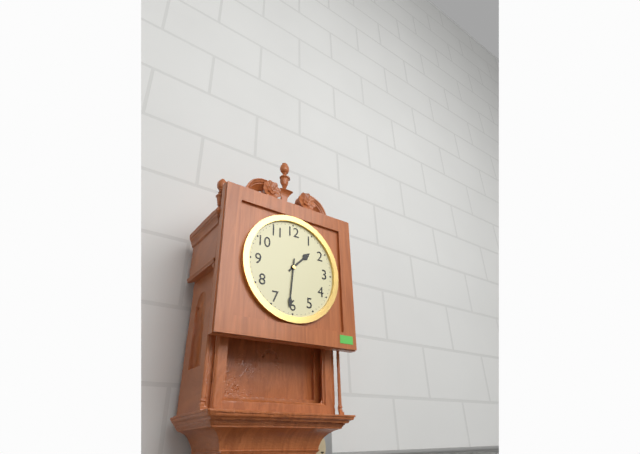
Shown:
1 h 31 min
